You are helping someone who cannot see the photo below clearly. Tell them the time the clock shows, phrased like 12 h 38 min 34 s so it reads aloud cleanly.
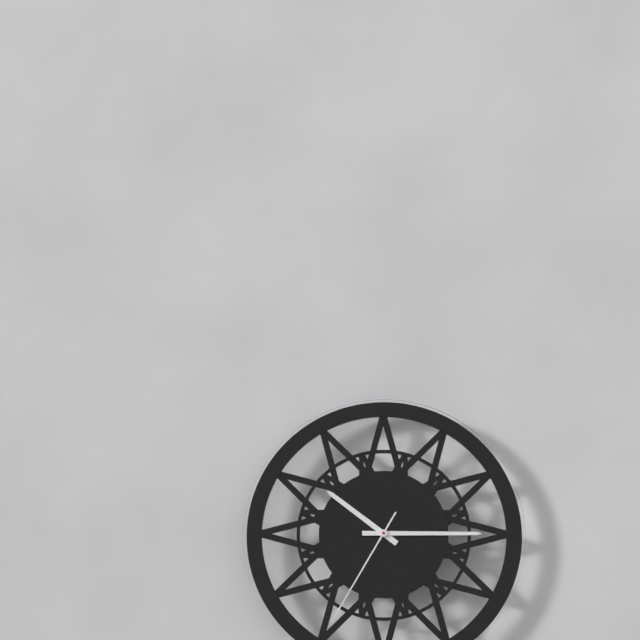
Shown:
10 h 15 min 35 s
